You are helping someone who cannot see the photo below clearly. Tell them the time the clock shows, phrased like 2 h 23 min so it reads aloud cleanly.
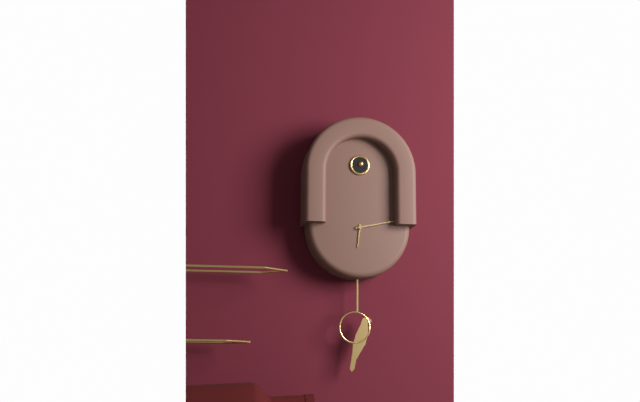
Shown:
6 h 13 min
